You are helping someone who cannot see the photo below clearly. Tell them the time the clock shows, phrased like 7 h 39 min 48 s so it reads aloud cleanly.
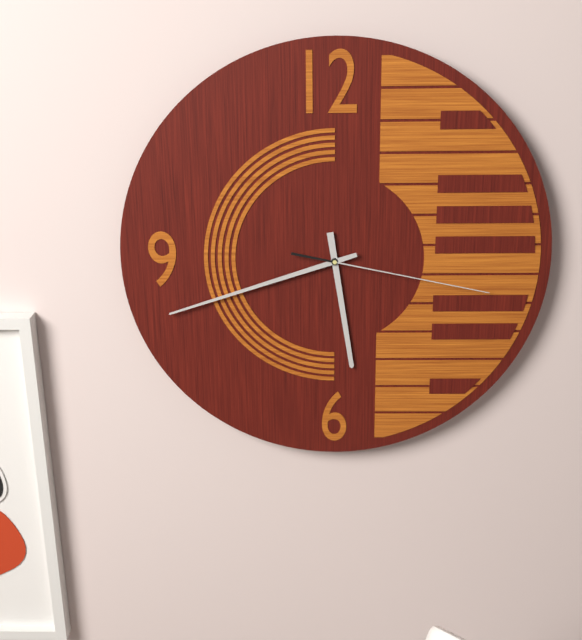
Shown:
5 h 42 min 17 s
